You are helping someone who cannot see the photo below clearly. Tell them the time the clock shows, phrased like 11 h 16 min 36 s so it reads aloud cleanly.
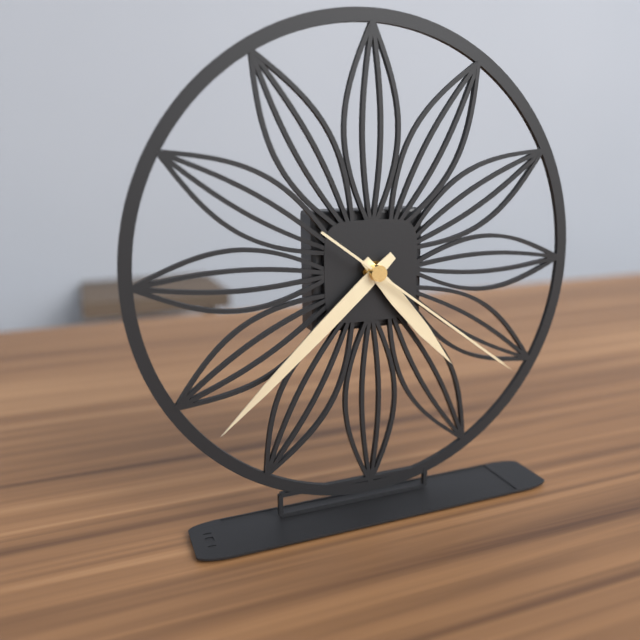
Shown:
4 h 38 min 21 s
